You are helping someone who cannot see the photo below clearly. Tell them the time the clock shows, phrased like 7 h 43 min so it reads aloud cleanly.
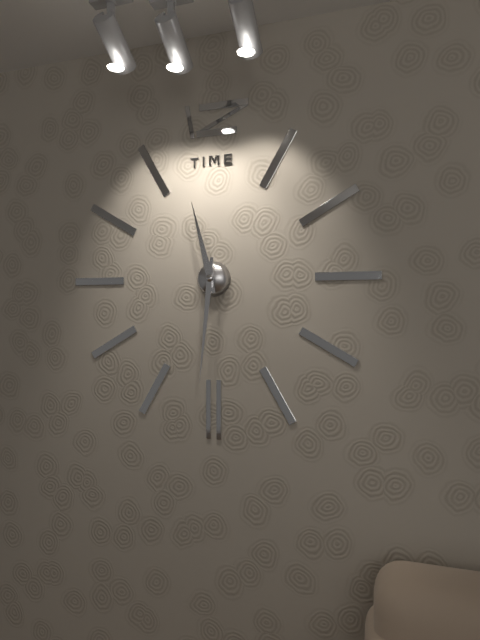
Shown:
11 h 31 min
